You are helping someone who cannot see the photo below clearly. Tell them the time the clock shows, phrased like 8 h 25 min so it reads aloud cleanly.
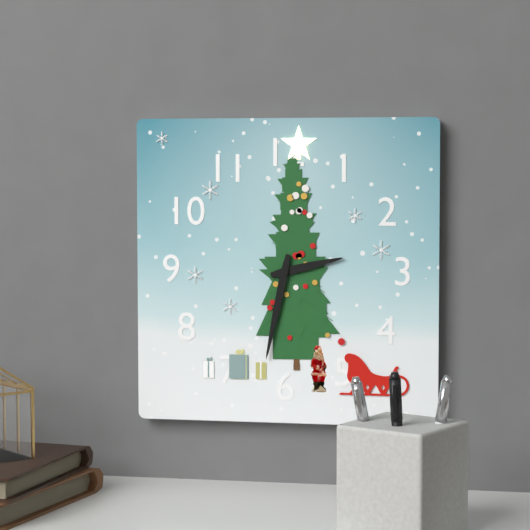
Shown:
2 h 32 min
